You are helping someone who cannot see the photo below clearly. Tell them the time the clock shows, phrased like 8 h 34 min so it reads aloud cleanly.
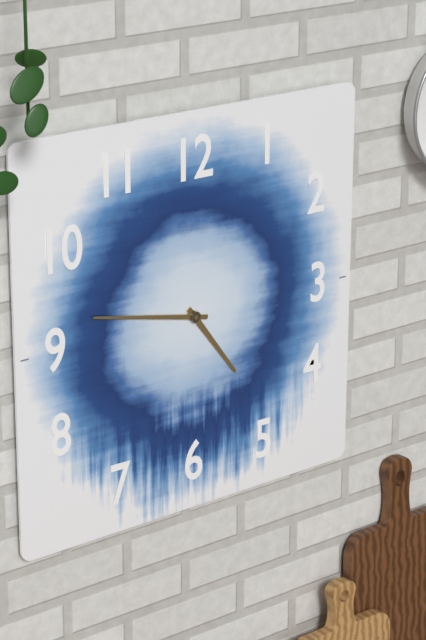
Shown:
4 h 47 min
